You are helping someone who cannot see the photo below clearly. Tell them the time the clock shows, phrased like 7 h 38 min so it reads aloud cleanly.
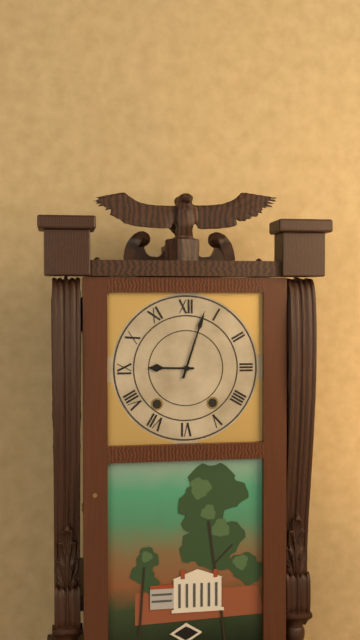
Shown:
9 h 03 min
